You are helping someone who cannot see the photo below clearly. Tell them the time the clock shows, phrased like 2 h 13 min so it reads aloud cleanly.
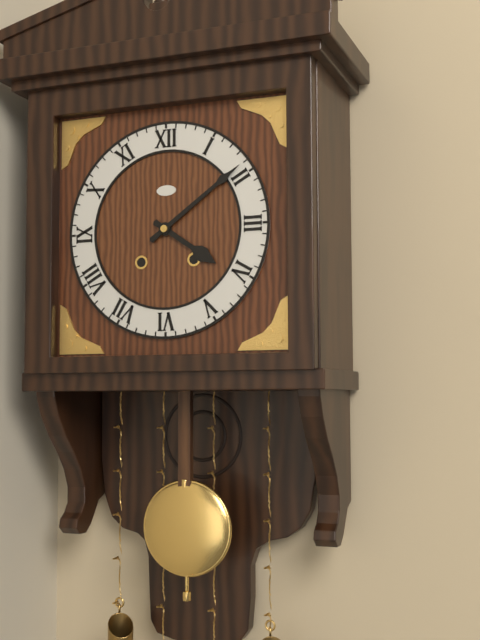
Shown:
4 h 09 min
